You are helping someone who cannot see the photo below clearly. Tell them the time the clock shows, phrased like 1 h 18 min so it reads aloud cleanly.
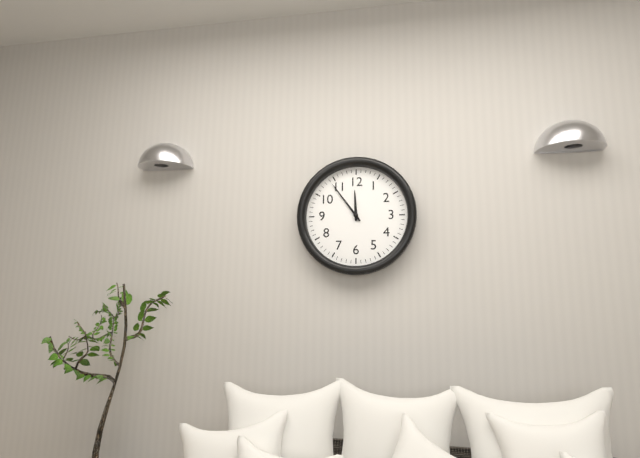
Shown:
11 h 54 min
